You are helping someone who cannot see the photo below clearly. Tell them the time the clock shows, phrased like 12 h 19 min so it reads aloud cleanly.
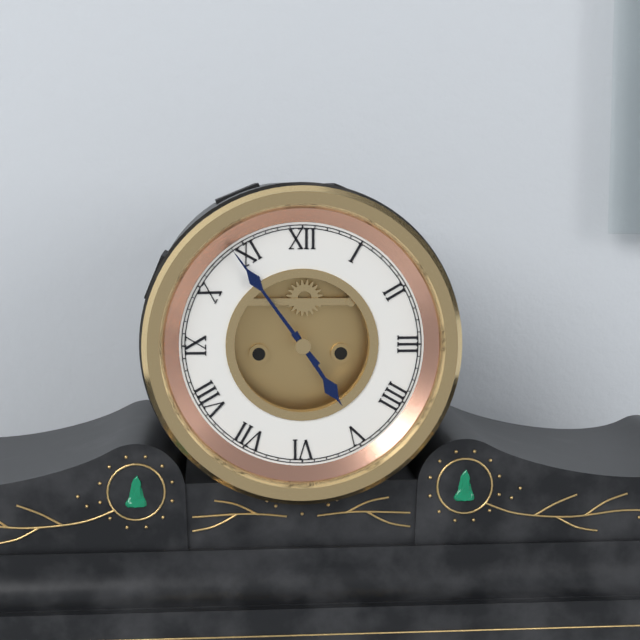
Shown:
4 h 54 min
